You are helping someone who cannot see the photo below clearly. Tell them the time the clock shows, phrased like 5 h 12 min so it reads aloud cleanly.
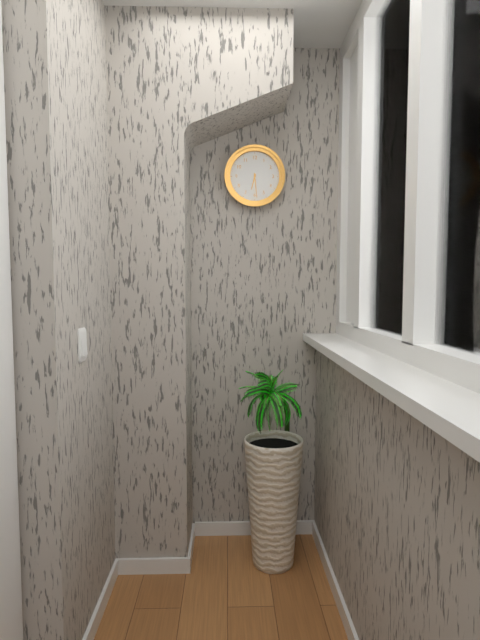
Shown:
6 h 29 min
